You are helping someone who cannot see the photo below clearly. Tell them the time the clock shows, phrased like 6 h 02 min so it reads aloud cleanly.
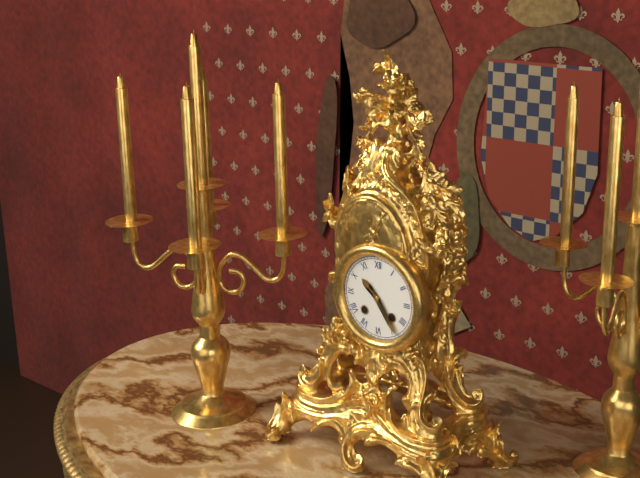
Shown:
10 h 24 min
